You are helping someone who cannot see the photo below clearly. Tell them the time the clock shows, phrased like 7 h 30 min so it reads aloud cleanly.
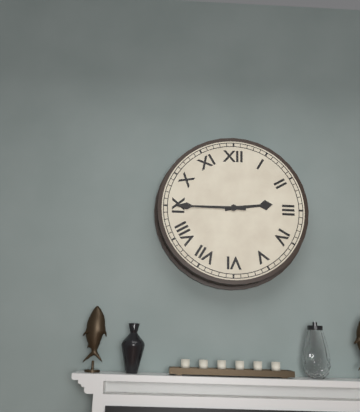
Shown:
2 h 45 min
